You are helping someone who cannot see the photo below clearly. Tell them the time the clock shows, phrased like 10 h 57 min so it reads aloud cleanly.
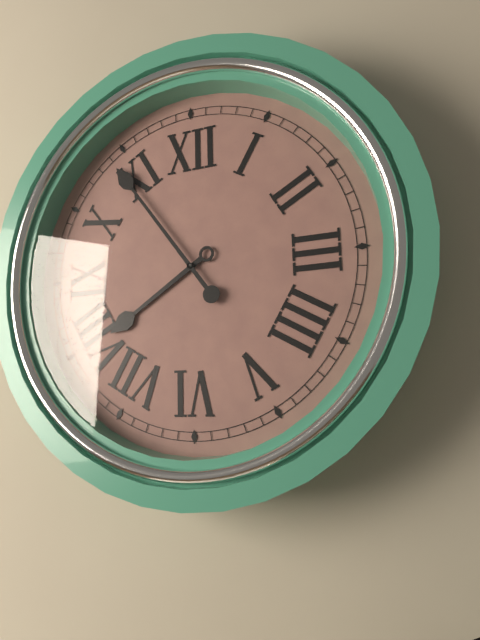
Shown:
7 h 54 min
